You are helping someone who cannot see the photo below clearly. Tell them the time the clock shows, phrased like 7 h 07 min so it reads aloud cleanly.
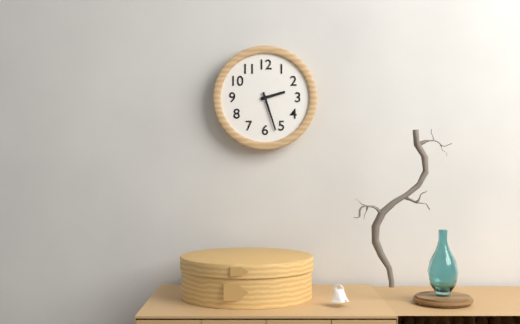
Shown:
2 h 27 min
